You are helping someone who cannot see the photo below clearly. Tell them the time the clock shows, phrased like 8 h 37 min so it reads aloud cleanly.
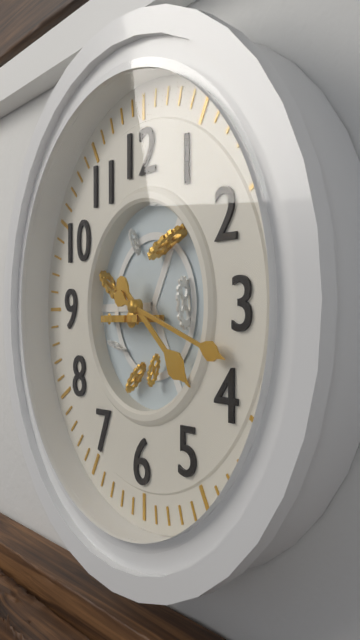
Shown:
4 h 18 min
